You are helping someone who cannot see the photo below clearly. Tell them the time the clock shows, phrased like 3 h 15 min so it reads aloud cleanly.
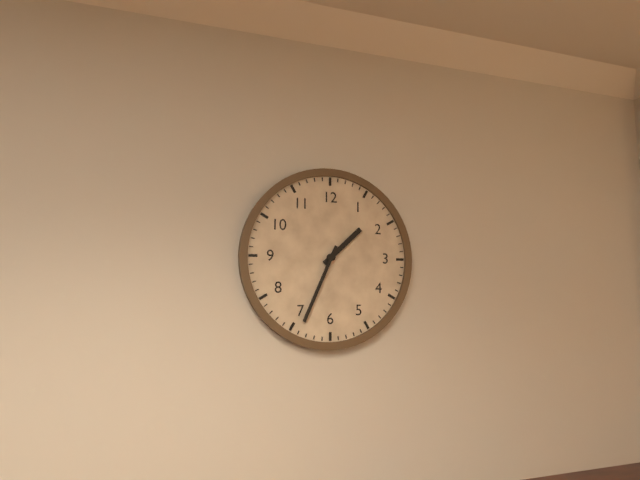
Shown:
1 h 34 min
